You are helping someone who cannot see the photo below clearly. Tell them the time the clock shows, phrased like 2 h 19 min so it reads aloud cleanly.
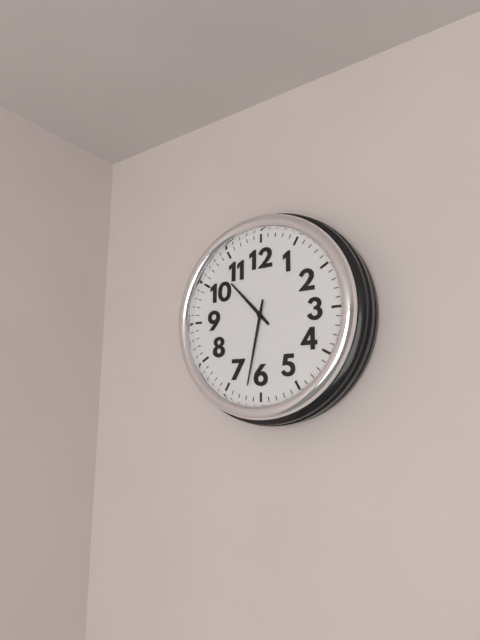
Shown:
10 h 32 min
